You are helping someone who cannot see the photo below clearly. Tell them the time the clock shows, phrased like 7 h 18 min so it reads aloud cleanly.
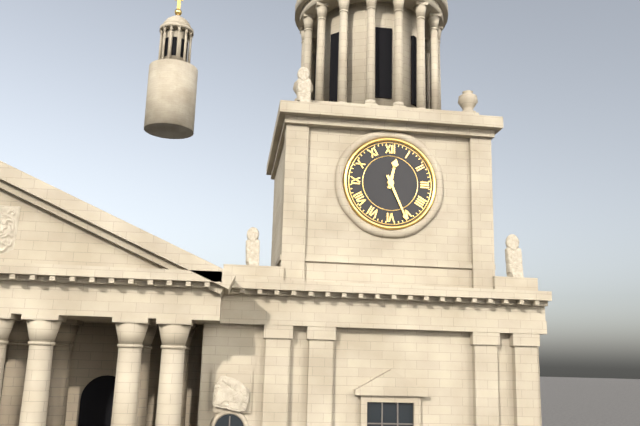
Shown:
12 h 26 min
